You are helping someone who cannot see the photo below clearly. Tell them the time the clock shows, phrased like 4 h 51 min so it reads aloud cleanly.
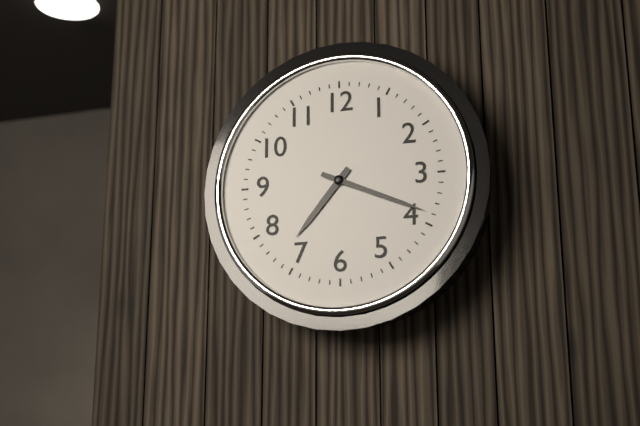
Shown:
7 h 19 min
